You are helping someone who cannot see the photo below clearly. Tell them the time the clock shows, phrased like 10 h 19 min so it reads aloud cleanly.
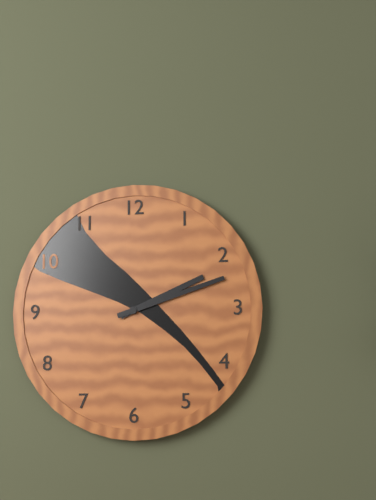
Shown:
2 h 12 min
